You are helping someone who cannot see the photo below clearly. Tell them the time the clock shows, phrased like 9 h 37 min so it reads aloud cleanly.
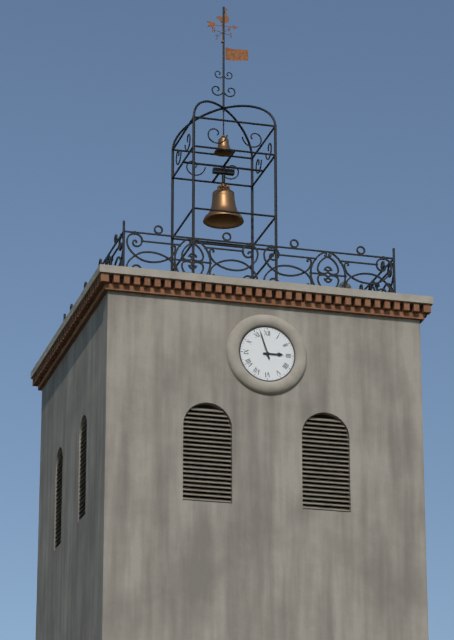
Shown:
2 h 57 min
